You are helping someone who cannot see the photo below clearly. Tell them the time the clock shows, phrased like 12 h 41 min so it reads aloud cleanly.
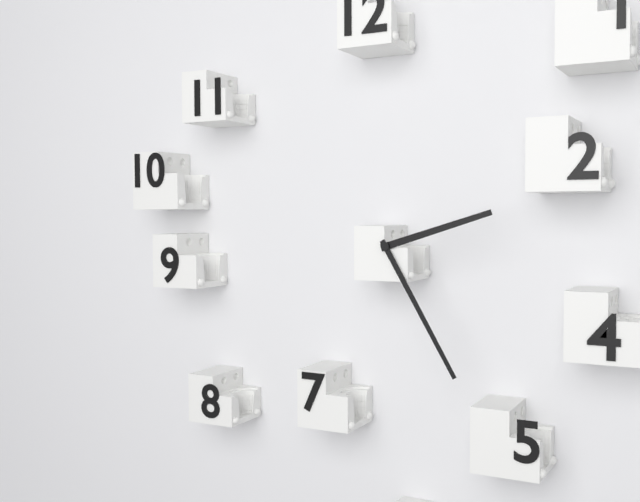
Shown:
2 h 25 min
